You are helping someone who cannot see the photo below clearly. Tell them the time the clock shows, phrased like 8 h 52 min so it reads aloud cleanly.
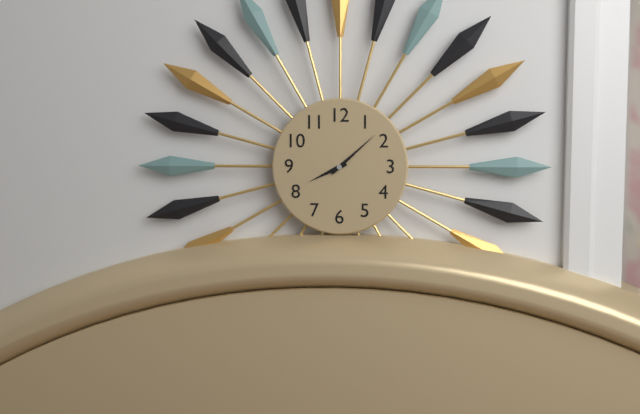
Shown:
8 h 08 min
